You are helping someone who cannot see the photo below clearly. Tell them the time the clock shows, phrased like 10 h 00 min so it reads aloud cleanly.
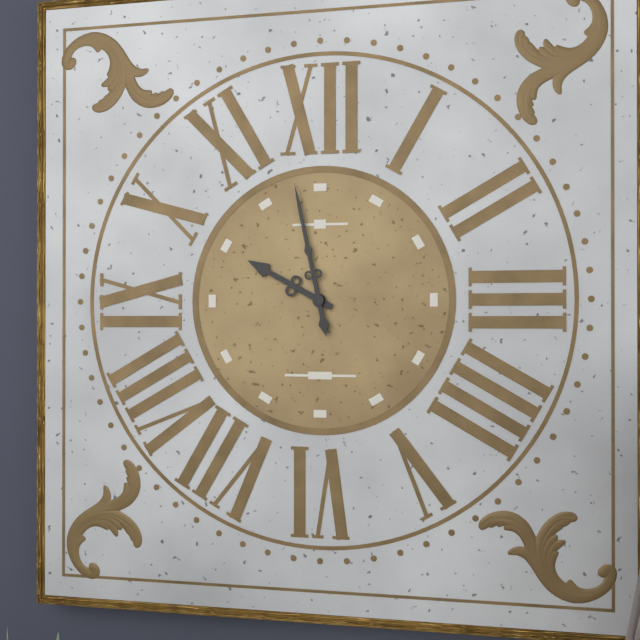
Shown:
9 h 58 min
